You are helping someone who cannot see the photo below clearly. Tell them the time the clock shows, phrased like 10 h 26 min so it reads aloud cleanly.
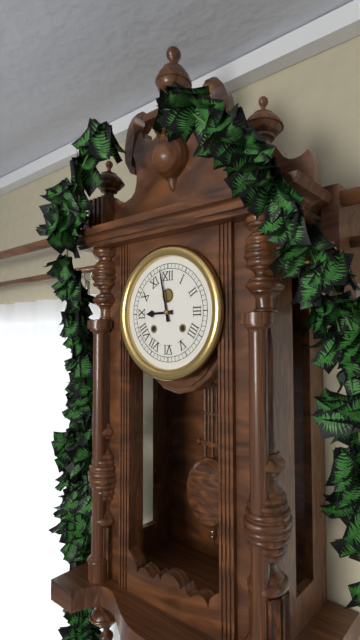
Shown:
8 h 58 min
